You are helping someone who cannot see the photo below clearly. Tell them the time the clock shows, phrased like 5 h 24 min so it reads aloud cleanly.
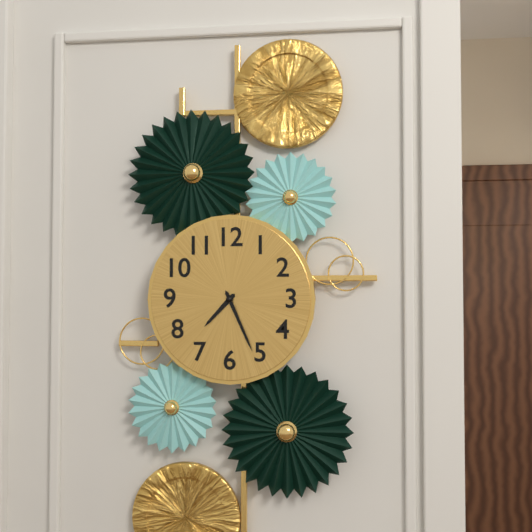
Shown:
7 h 26 min
